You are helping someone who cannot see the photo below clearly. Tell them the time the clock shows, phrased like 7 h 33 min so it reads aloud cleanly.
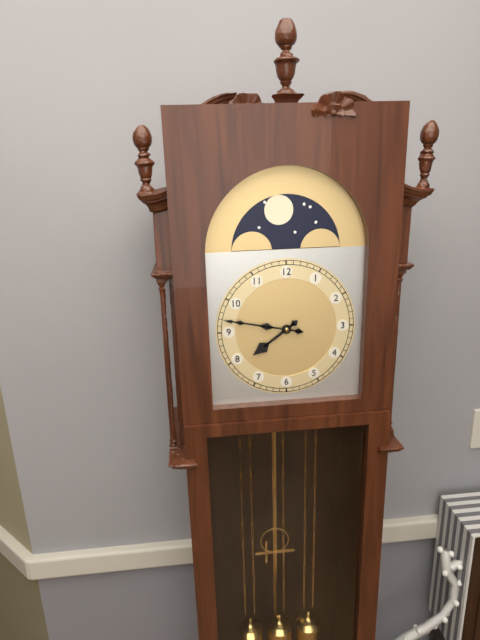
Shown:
7 h 47 min
